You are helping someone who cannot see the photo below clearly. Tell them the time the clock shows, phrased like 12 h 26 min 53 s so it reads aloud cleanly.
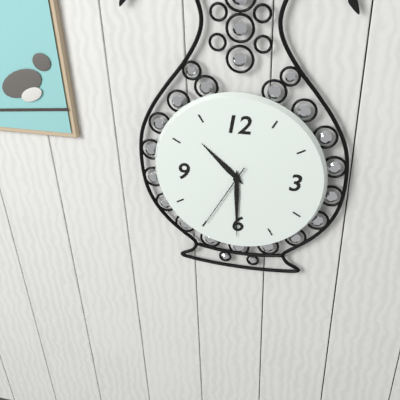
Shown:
10 h 30 min 35 s
